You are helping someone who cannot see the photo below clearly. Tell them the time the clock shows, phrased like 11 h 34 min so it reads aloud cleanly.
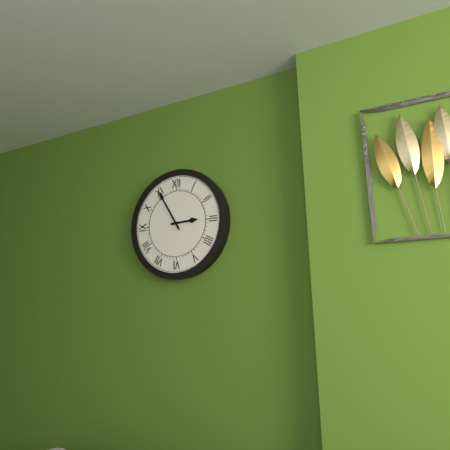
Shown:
2 h 55 min
